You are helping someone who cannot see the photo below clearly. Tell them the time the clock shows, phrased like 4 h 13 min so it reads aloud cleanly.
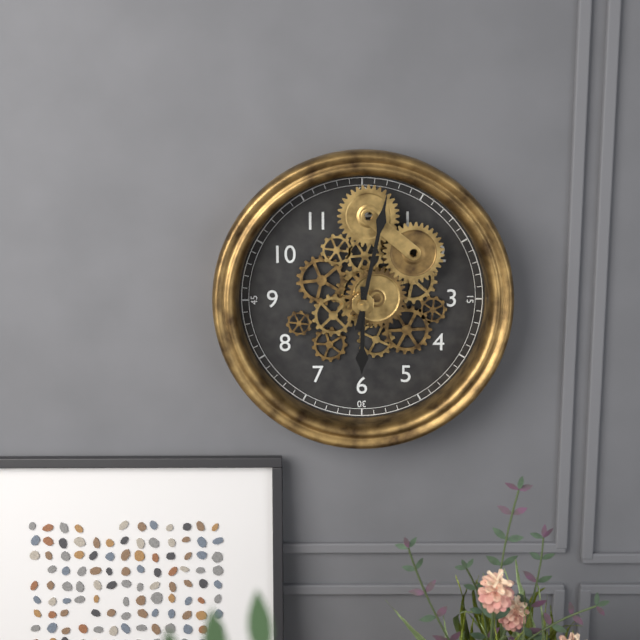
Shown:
6 h 02 min
